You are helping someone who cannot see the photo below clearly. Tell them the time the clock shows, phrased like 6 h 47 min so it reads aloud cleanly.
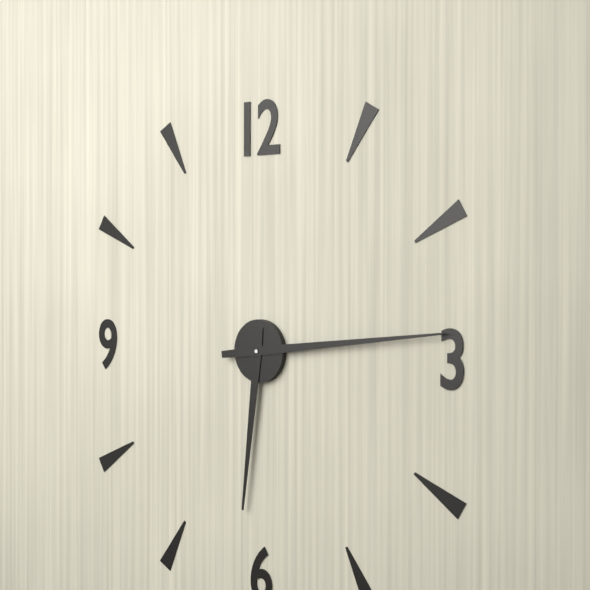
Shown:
6 h 14 min
